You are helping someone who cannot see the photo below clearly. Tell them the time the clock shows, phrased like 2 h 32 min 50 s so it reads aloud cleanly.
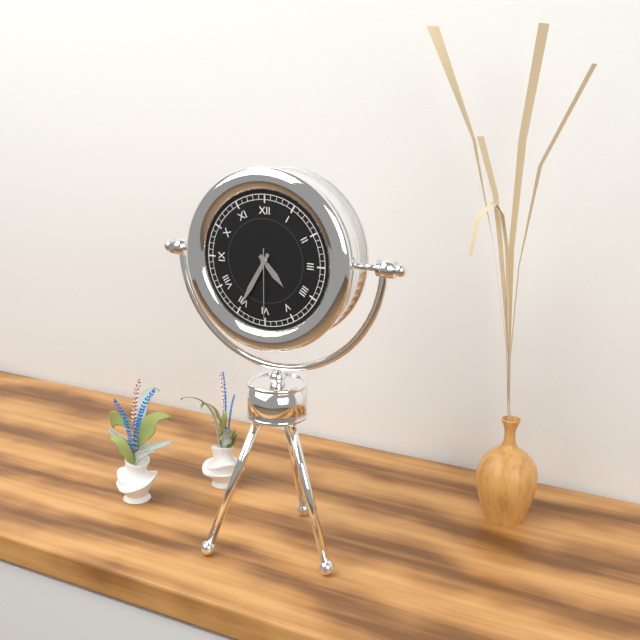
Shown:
4 h 35 min 30 s
